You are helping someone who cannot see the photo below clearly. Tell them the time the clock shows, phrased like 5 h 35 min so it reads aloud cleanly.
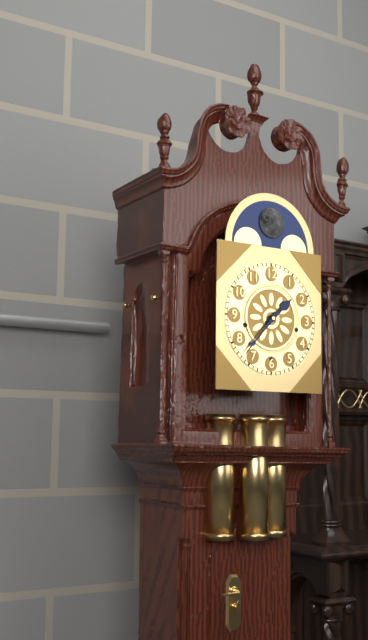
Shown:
1 h 37 min
